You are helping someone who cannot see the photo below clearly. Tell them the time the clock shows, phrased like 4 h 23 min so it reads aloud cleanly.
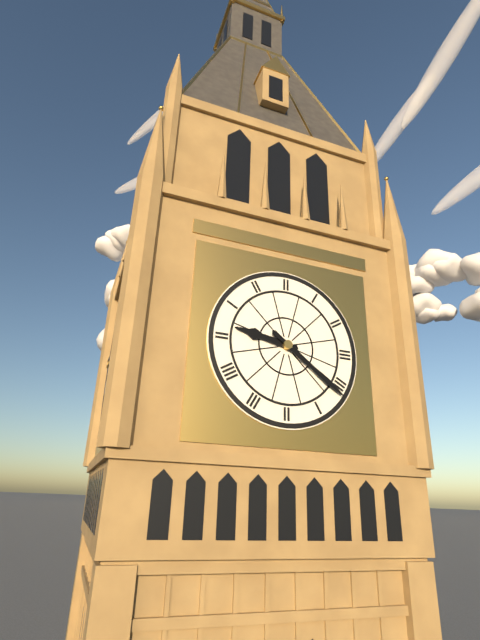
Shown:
9 h 21 min
